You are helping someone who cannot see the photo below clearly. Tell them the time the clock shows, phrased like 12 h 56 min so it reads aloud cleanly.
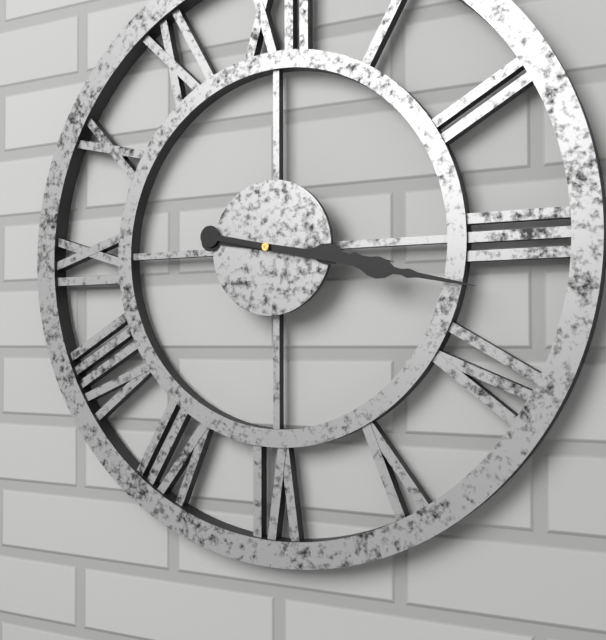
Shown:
3 h 17 min
